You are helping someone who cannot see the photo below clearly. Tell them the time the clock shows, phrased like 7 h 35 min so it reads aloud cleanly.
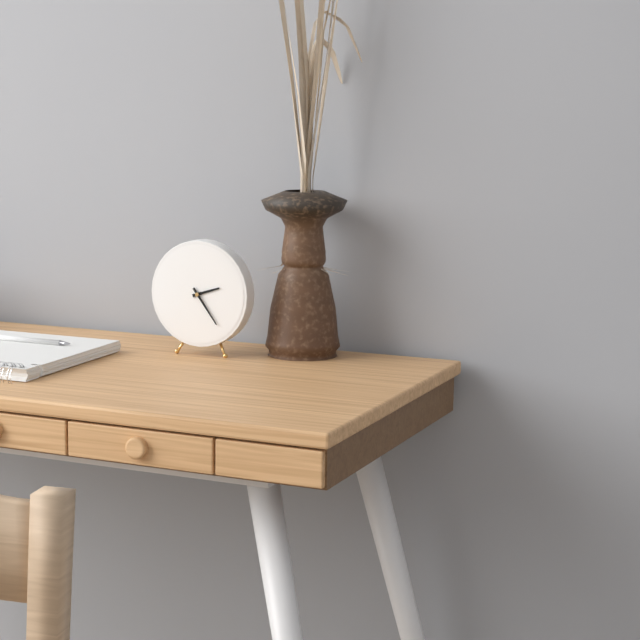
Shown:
2 h 24 min
